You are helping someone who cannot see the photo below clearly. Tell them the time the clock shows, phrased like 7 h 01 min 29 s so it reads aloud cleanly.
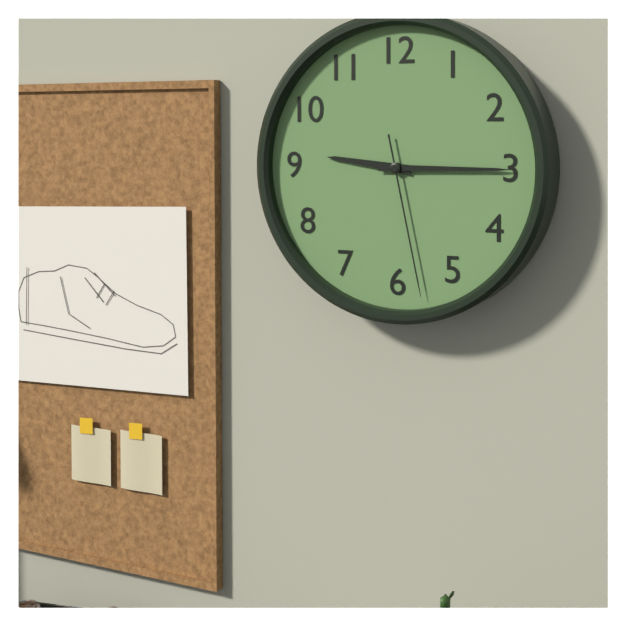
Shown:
9 h 15 min 28 s
